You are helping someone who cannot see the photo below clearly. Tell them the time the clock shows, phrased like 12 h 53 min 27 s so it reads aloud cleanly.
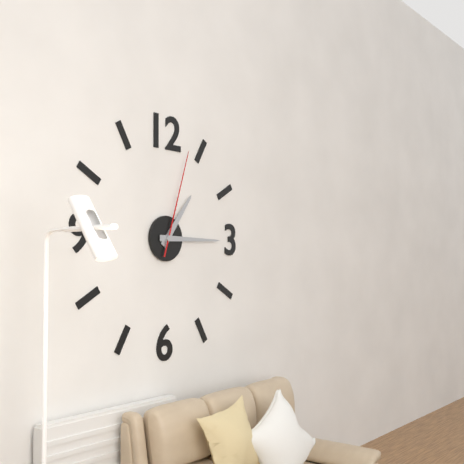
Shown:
1 h 15 min 03 s
